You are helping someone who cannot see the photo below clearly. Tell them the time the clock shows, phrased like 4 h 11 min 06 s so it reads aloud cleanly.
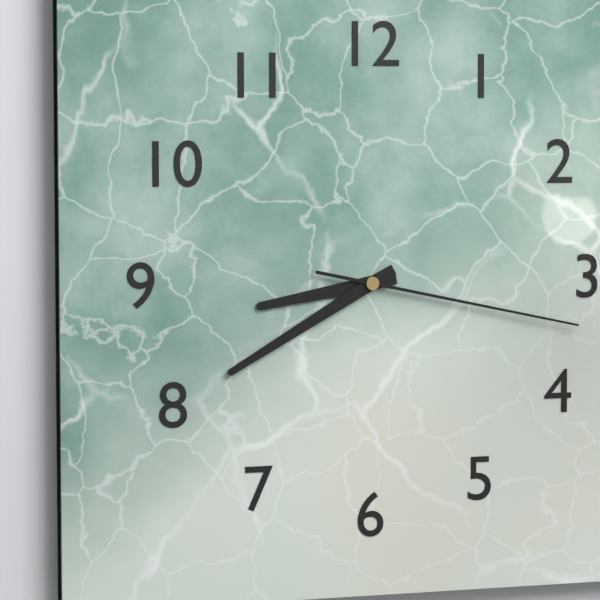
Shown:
8 h 40 min 17 s
